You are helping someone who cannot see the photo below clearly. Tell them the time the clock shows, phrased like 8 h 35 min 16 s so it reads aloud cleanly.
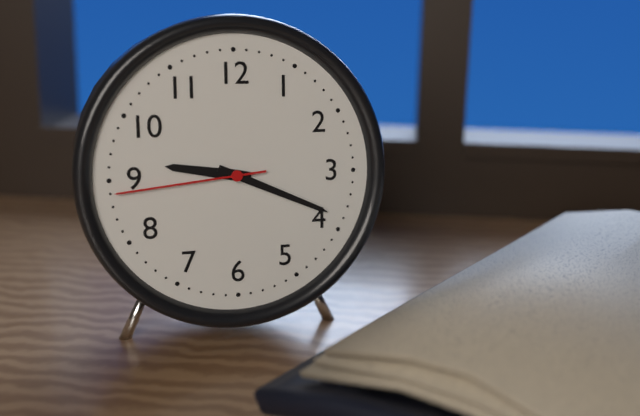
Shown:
9 h 19 min 44 s
